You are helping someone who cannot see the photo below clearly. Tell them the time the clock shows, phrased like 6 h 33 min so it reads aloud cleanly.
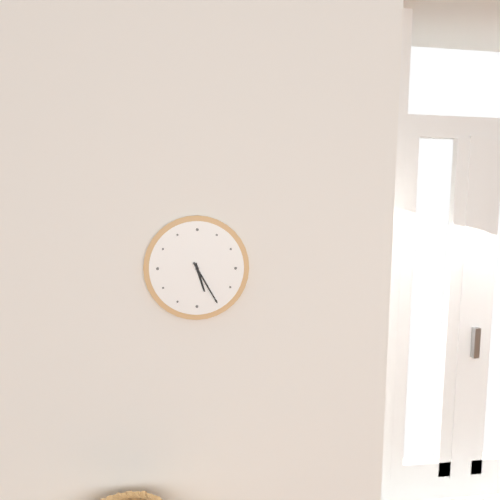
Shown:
5 h 25 min
